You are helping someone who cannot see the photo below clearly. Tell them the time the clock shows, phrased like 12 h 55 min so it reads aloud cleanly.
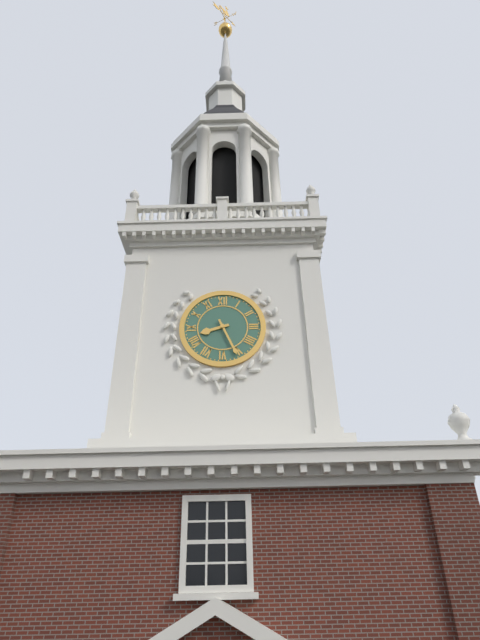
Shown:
8 h 26 min
